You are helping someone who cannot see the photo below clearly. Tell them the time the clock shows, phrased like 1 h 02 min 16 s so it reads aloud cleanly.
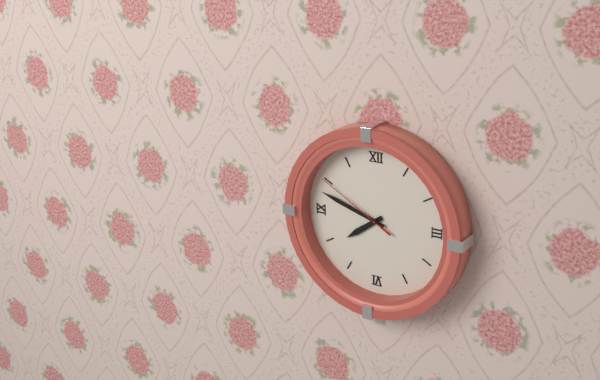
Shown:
7 h 48 min 50 s
